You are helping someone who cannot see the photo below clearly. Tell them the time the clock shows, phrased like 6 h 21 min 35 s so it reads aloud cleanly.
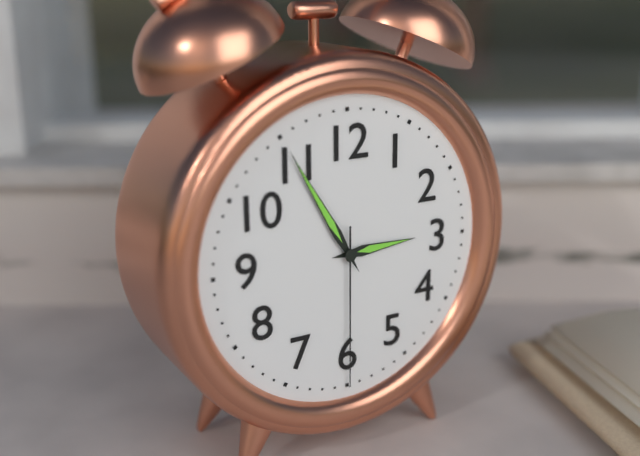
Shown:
2 h 55 min 30 s
